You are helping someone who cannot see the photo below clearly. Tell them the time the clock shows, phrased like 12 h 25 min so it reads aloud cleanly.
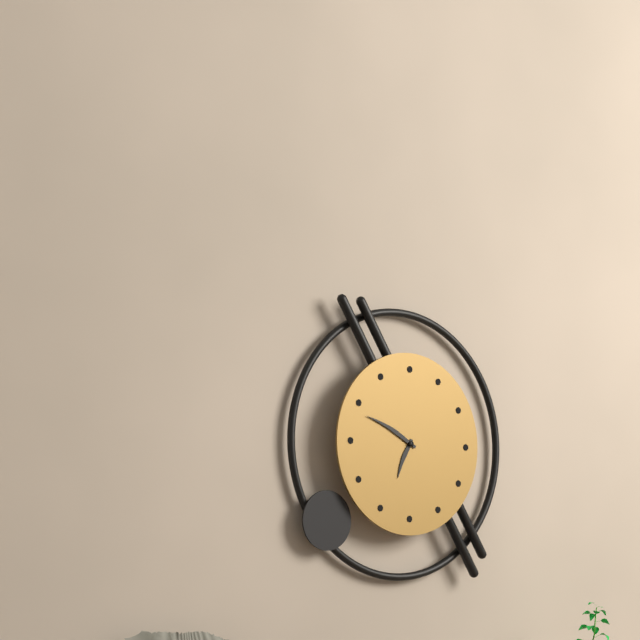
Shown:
6 h 49 min
